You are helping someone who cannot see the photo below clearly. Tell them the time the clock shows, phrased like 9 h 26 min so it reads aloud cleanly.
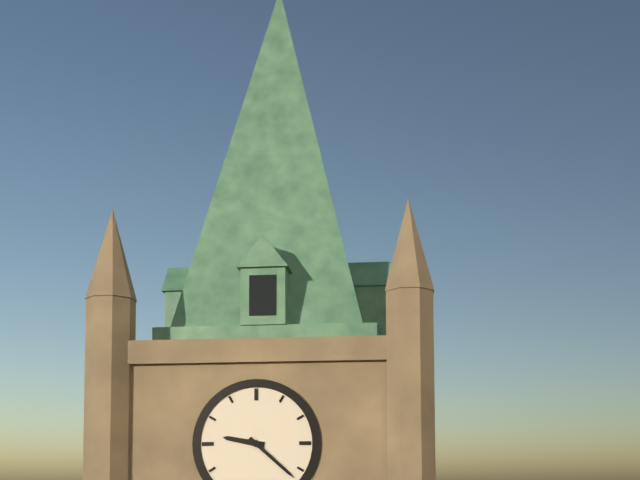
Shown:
9 h 22 min
